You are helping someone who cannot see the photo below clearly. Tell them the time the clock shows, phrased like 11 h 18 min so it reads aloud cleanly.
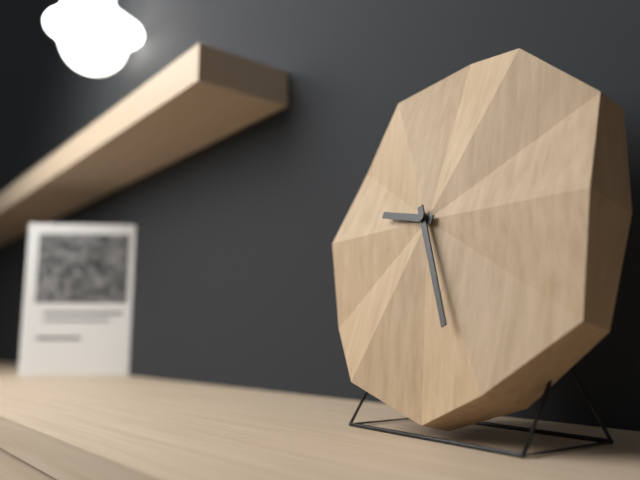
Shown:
9 h 26 min
